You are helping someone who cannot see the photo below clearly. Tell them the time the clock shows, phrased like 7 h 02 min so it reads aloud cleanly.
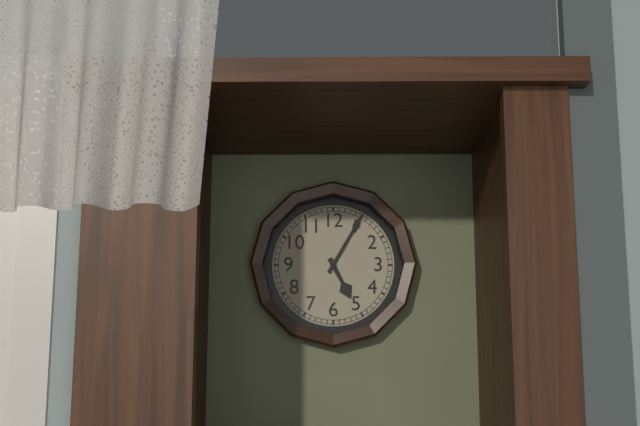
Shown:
5 h 05 min
